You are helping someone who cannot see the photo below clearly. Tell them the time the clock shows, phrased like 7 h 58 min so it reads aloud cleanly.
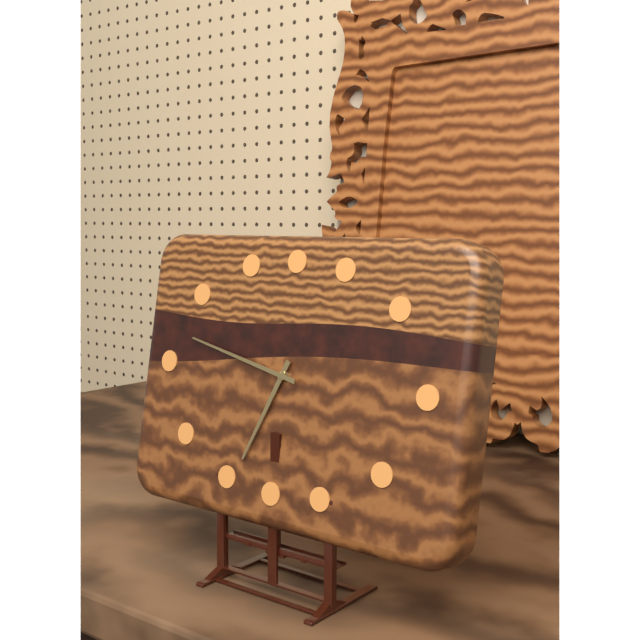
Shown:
6 h 47 min
